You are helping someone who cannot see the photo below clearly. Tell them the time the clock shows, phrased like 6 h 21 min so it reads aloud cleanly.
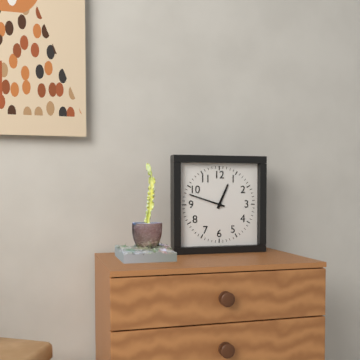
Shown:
12 h 48 min
